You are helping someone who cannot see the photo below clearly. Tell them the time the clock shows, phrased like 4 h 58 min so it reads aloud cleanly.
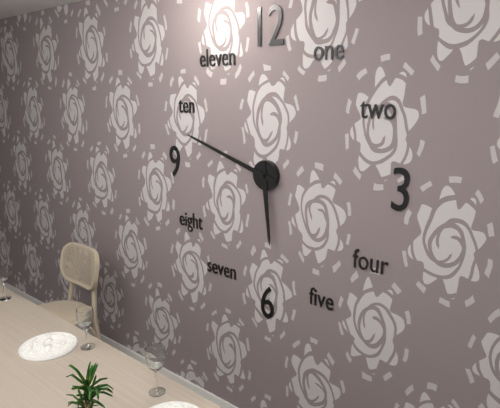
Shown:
5 h 48 min
